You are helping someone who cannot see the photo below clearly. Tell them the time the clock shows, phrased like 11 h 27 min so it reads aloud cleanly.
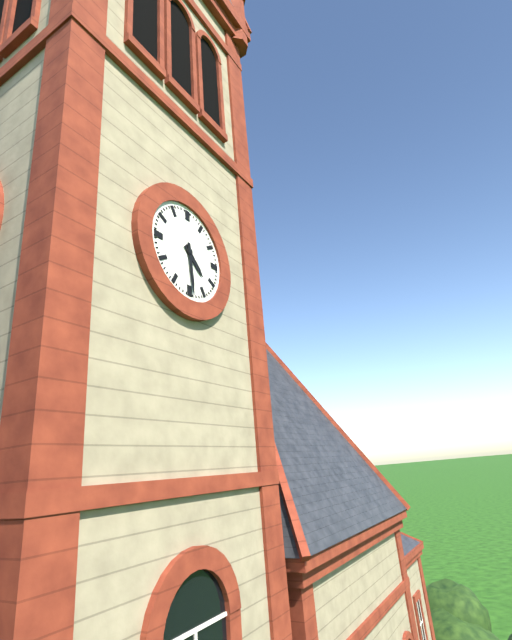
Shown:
4 h 29 min
